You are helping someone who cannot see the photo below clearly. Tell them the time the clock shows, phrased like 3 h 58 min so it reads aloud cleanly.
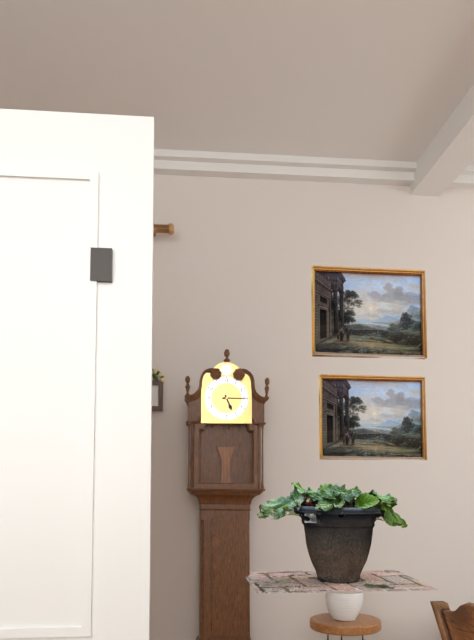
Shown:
5 h 15 min
